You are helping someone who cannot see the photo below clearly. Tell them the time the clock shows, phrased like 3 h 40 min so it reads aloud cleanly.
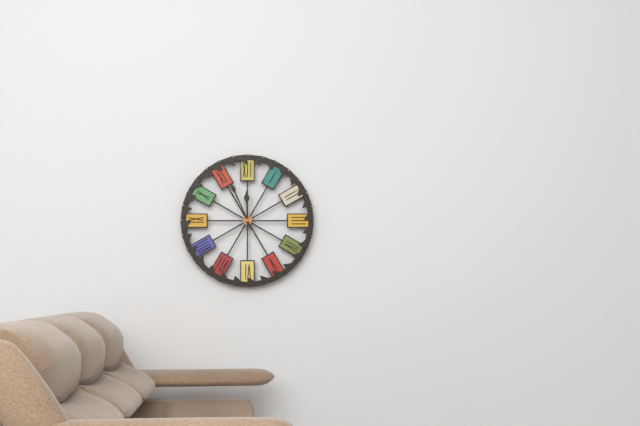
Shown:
11 h 56 min
